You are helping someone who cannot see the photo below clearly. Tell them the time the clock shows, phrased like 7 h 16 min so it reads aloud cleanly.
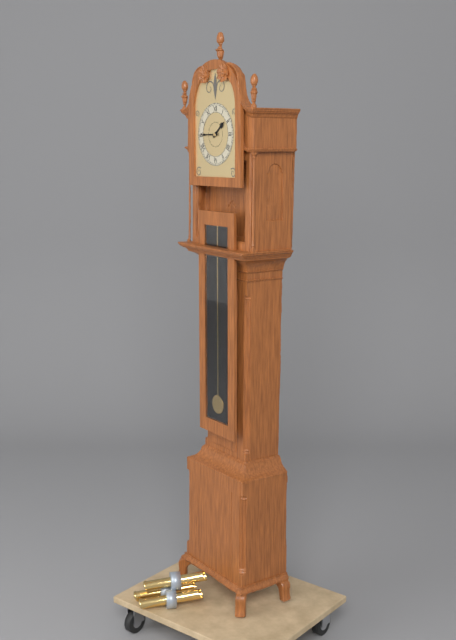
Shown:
1 h 45 min
